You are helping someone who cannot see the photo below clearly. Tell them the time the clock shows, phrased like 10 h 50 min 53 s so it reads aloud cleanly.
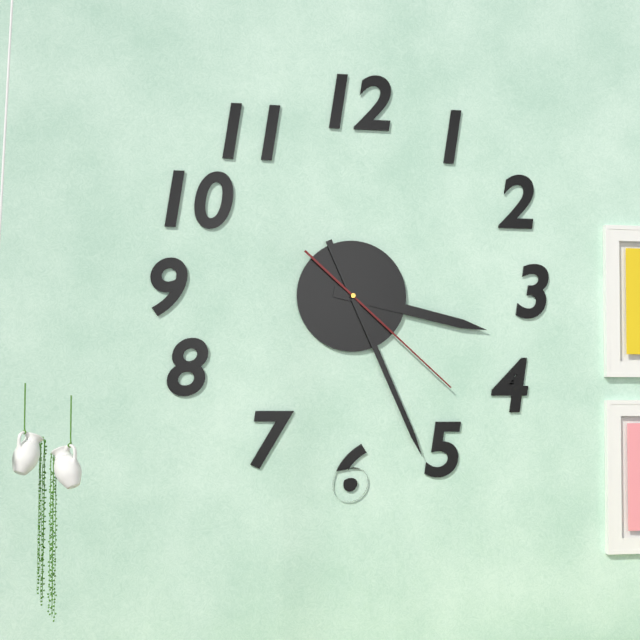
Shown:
3 h 26 min 22 s
